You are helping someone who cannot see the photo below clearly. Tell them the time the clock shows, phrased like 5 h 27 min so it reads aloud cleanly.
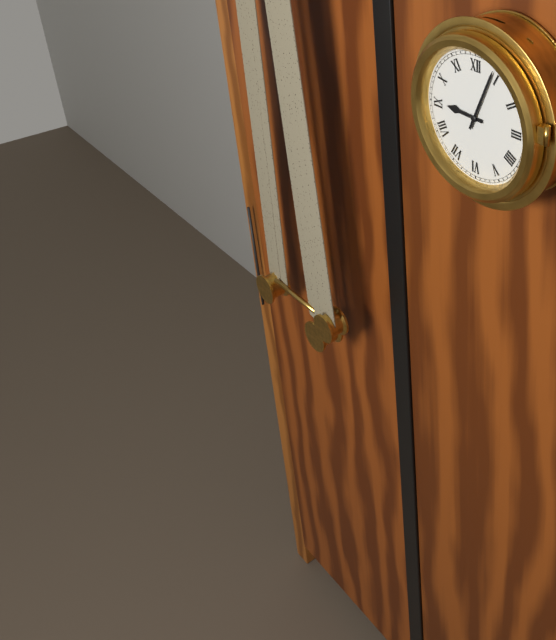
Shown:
9 h 04 min
